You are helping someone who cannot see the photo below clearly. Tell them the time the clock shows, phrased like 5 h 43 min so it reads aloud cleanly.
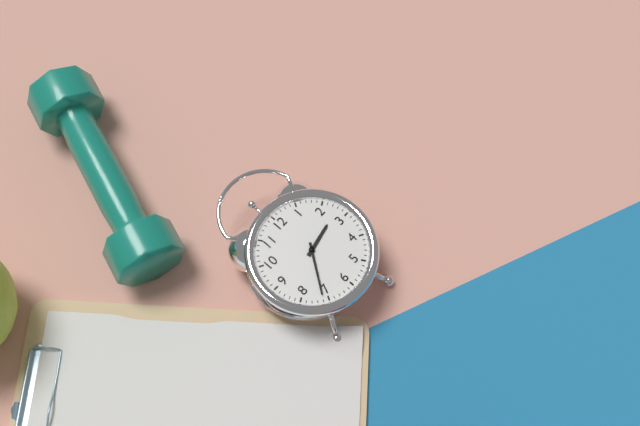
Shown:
2 h 36 min
